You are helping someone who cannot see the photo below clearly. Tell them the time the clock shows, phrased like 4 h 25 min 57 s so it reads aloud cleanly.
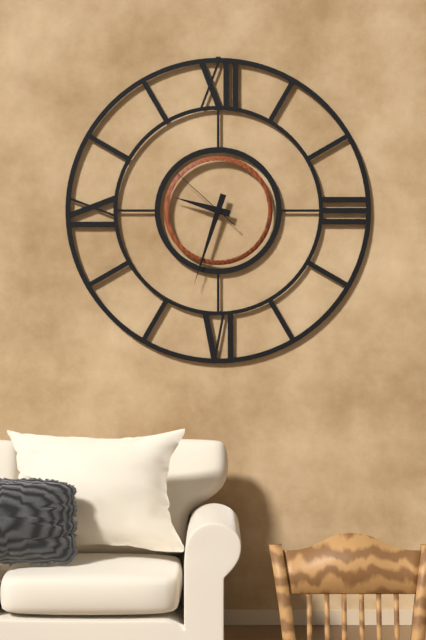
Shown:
9 h 33 min 52 s
